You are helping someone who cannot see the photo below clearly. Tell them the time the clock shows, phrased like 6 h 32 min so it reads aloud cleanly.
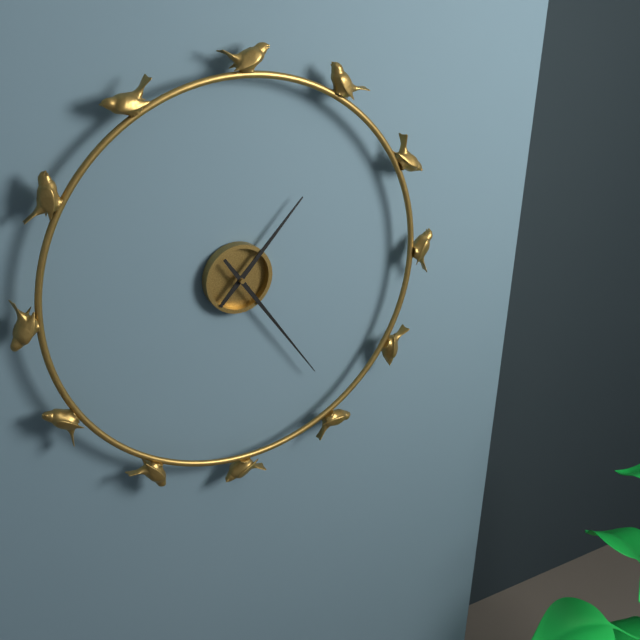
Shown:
1 h 24 min
